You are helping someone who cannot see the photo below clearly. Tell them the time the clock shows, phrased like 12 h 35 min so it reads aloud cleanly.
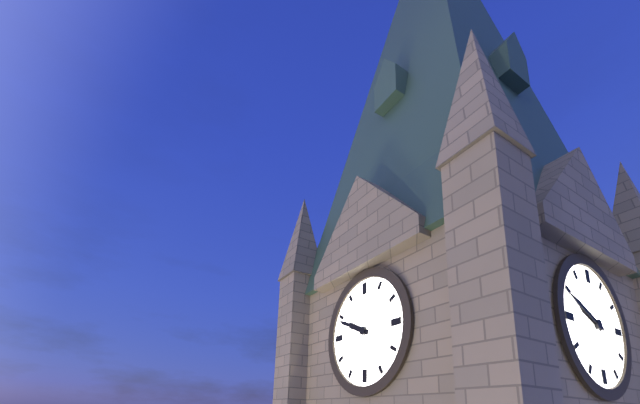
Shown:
9 h 49 min
